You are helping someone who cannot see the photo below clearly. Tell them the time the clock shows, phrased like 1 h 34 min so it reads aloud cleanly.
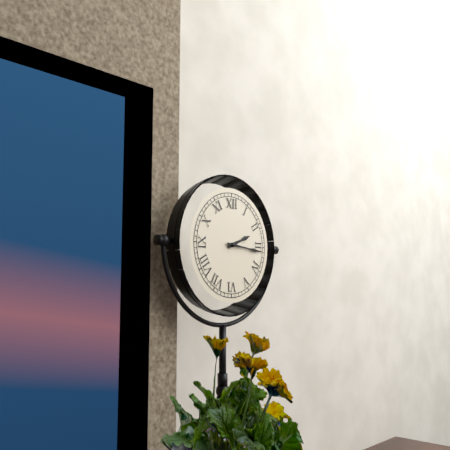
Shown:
2 h 16 min
